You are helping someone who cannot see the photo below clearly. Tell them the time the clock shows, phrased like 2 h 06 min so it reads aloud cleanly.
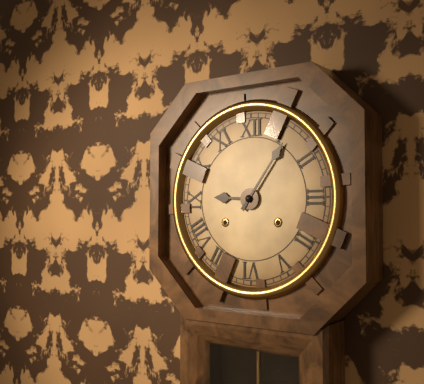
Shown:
9 h 06 min
